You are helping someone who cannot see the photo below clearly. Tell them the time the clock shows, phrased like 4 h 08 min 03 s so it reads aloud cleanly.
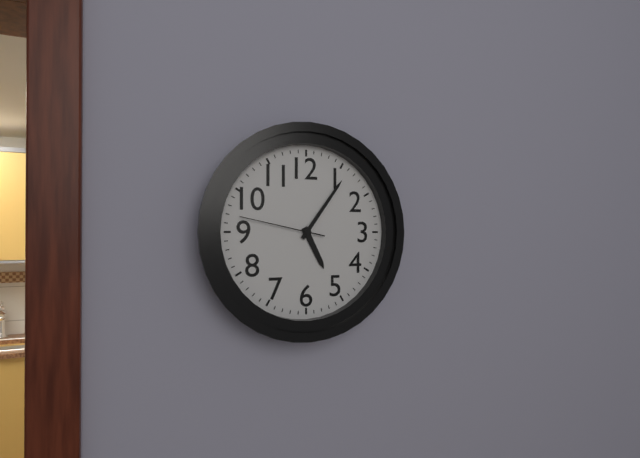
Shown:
5 h 06 min 47 s
